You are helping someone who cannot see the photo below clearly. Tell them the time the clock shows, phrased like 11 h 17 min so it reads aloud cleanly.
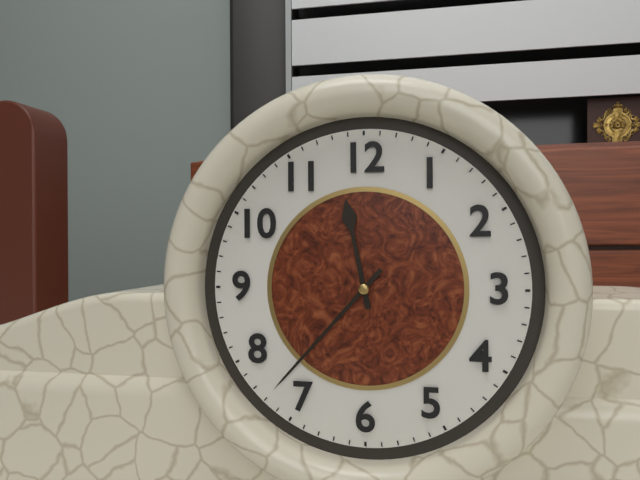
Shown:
11 h 37 min
